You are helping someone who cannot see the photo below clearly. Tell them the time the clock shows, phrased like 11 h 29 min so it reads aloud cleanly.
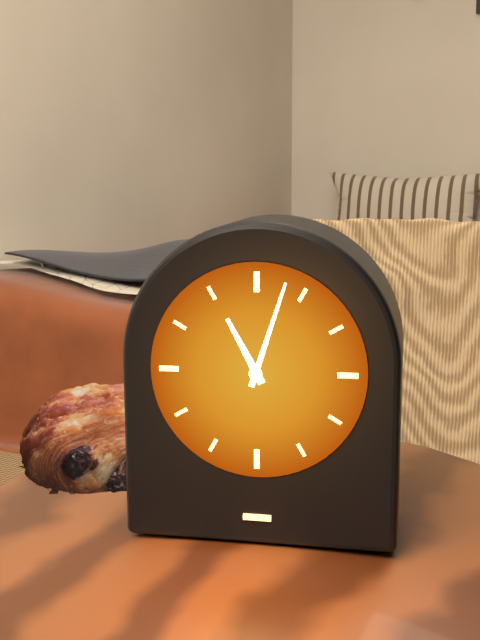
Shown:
11 h 03 min
